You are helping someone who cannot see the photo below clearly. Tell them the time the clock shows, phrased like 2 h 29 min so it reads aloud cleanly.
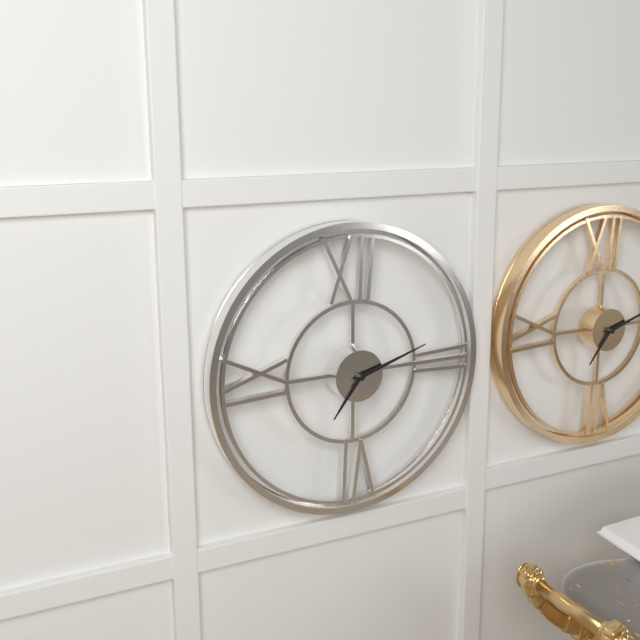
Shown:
7 h 12 min
